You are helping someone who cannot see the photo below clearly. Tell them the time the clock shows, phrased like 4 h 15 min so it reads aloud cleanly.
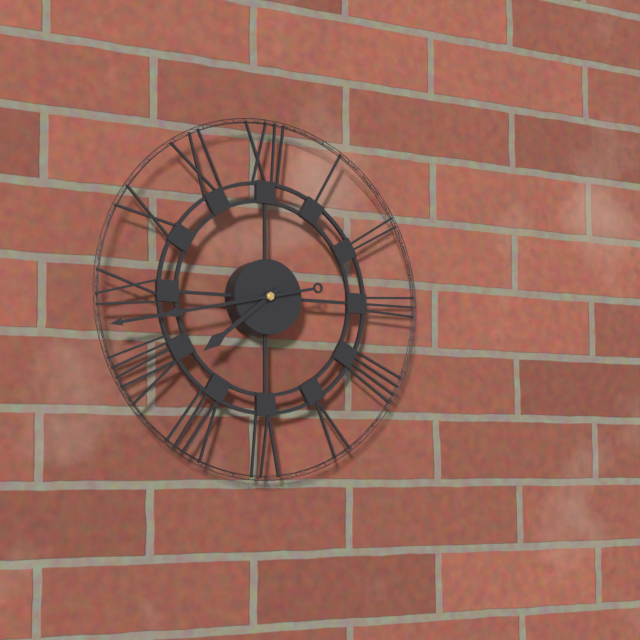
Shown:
7 h 43 min
